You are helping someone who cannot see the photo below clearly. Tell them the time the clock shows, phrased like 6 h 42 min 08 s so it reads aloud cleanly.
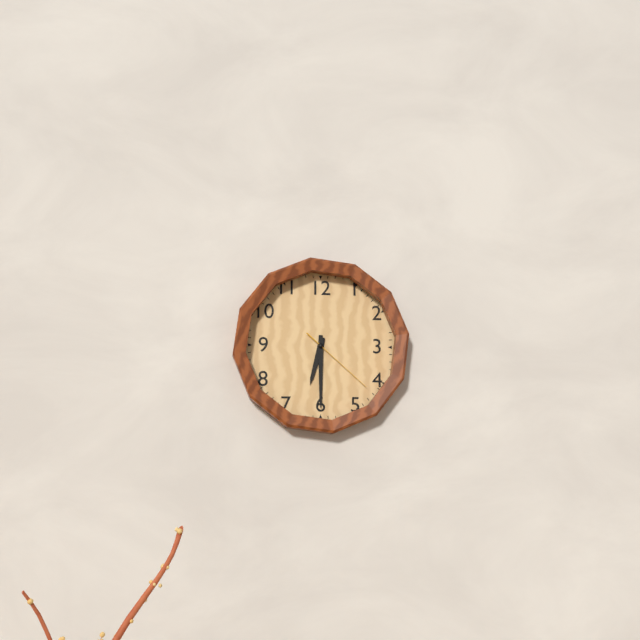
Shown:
6 h 30 min 22 s
